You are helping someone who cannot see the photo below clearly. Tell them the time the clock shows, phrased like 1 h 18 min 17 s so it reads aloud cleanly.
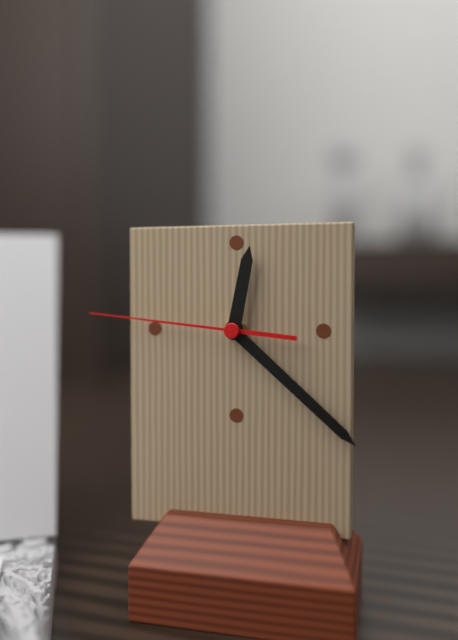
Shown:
12 h 22 min 46 s
